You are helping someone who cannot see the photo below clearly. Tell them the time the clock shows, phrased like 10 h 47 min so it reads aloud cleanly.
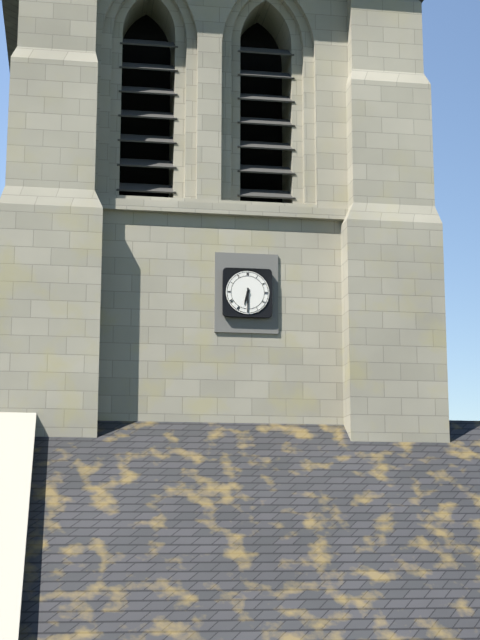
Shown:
6 h 30 min
